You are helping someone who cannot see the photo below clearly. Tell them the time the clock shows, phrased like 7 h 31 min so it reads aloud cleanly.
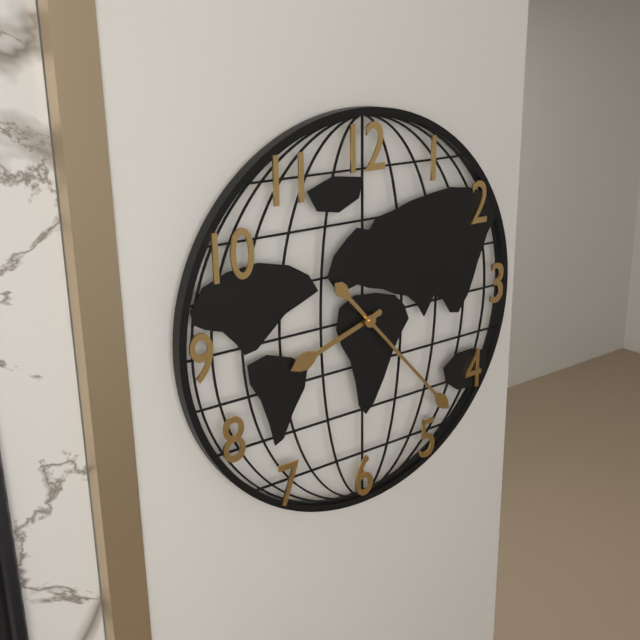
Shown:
8 h 23 min
